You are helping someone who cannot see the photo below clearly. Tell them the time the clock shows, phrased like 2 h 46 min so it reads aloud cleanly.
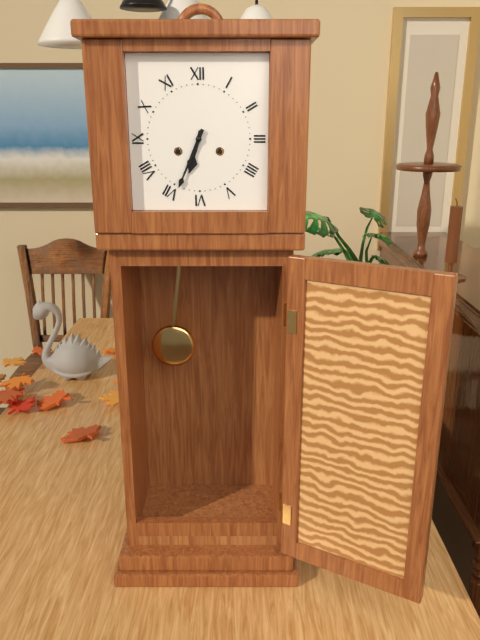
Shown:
6 h 34 min
